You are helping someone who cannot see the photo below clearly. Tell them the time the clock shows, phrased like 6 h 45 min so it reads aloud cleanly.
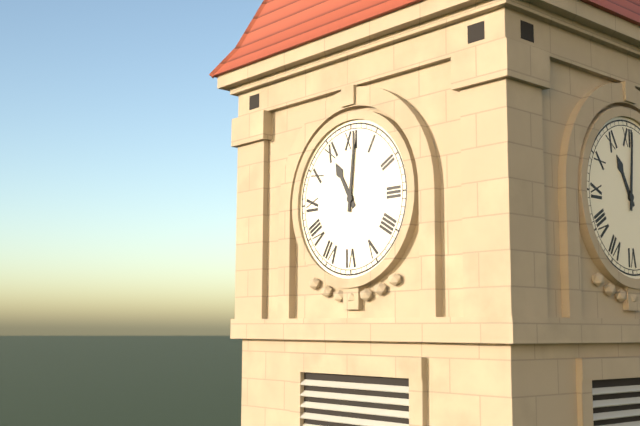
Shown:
11 h 01 min
